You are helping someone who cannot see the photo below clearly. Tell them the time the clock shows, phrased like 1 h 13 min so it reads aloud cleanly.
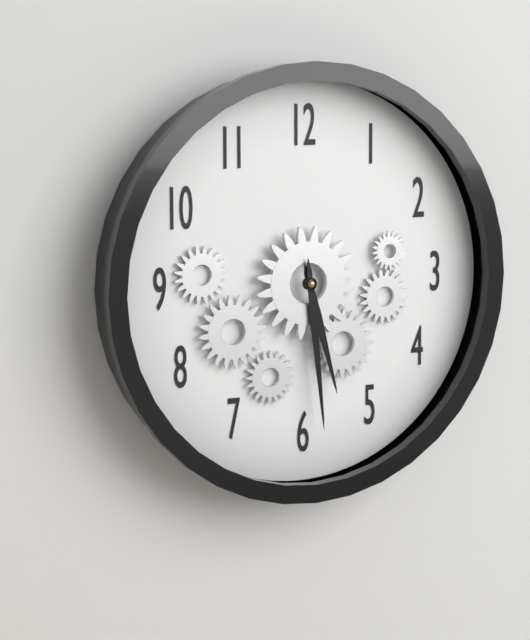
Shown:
5 h 29 min
